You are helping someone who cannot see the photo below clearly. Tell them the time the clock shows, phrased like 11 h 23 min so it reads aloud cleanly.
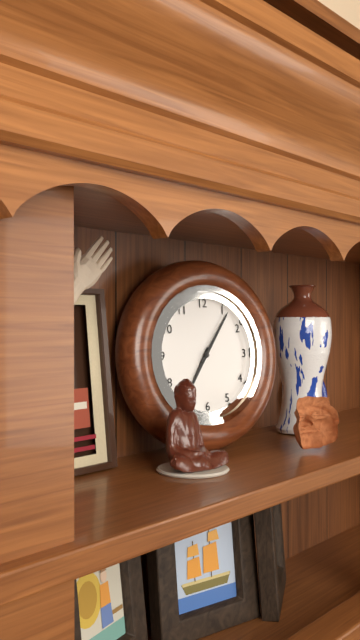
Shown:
7 h 06 min
